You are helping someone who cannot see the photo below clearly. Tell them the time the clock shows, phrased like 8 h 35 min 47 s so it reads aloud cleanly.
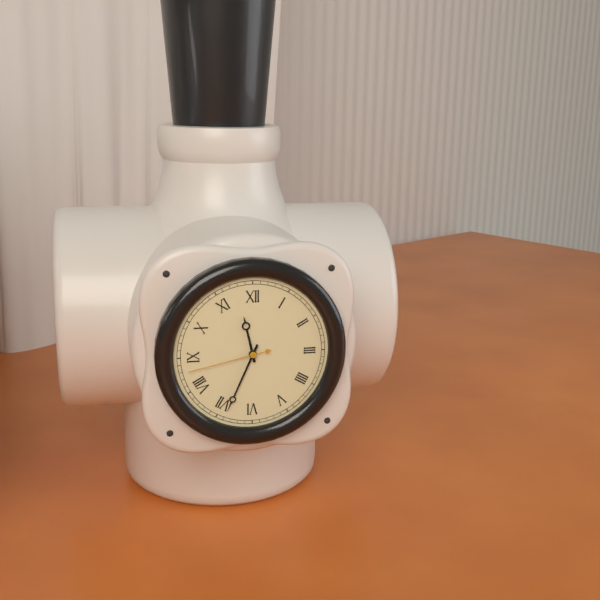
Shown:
11 h 34 min 43 s
